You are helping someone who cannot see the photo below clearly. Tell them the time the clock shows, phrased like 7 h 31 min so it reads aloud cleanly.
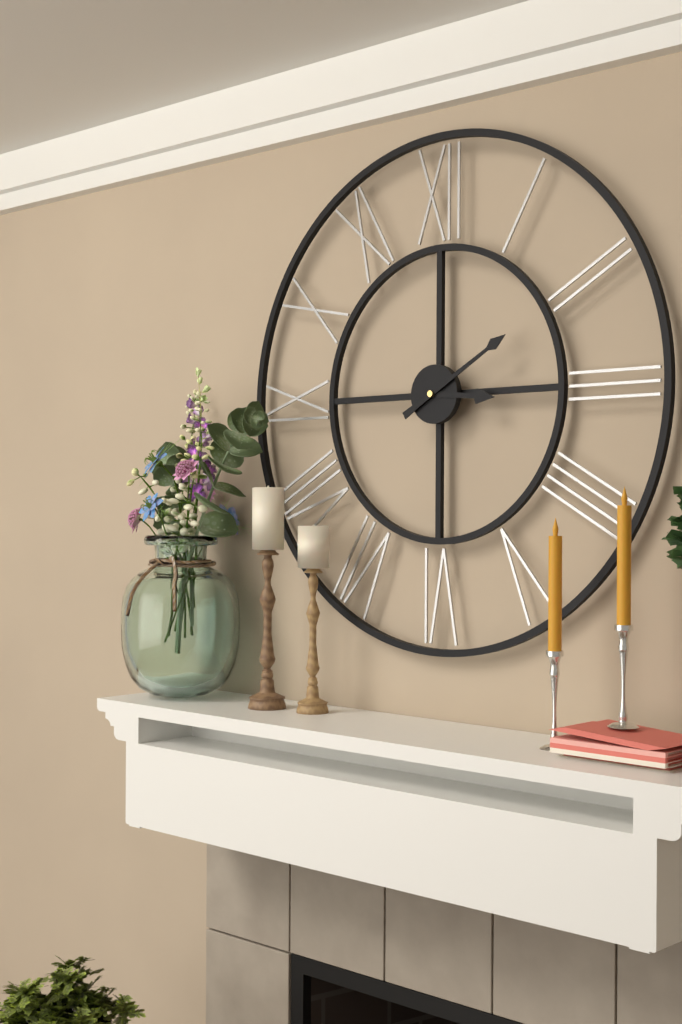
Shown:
3 h 10 min
